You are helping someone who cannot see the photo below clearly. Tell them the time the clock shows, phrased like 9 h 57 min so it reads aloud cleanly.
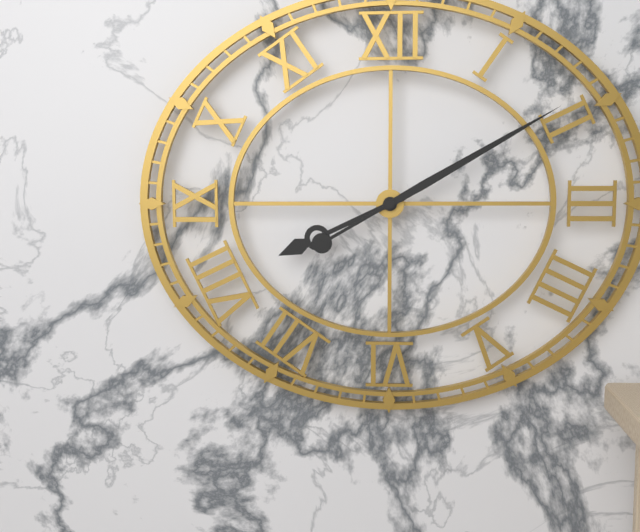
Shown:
8 h 10 min
